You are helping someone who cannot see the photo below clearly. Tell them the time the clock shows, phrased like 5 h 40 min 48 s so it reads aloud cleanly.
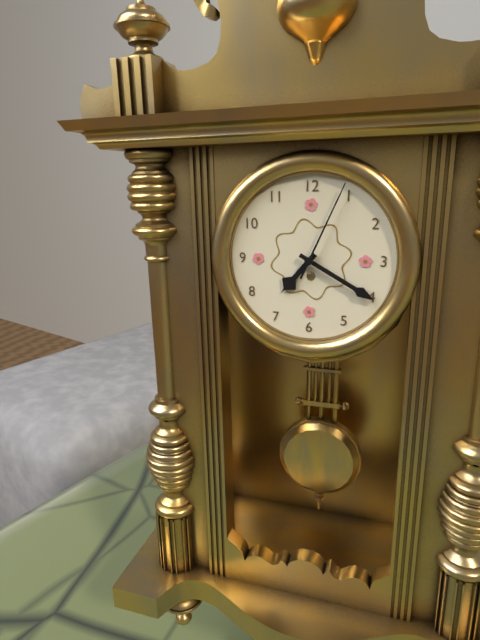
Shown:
7 h 20 min 04 s
